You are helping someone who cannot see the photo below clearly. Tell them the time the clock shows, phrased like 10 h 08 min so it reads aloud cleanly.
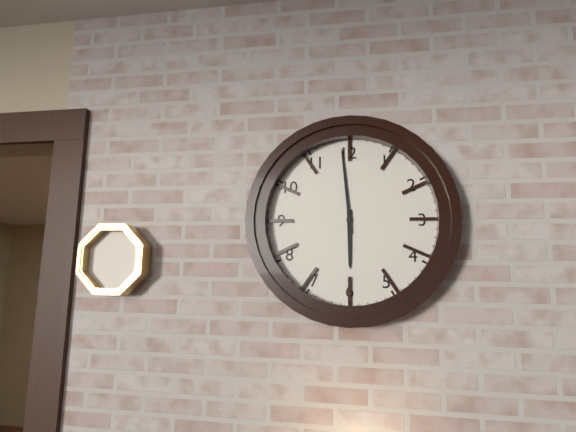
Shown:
5 h 59 min
